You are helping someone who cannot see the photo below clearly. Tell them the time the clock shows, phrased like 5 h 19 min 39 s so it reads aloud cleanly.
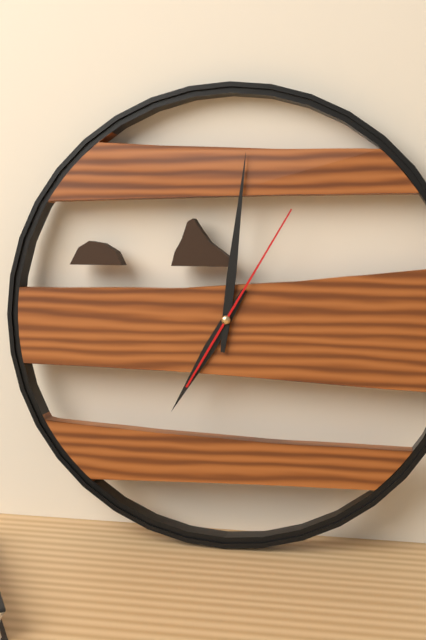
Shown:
7 h 01 min 05 s
